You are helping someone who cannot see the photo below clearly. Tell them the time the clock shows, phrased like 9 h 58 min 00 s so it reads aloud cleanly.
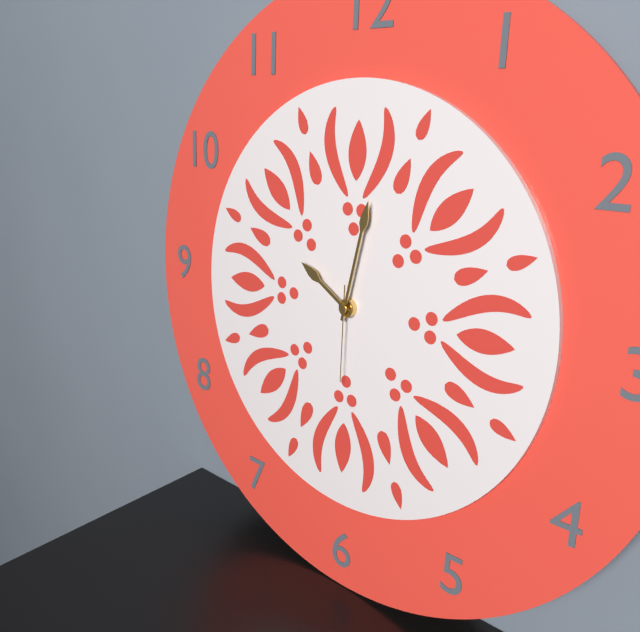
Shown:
10 h 02 min 30 s
